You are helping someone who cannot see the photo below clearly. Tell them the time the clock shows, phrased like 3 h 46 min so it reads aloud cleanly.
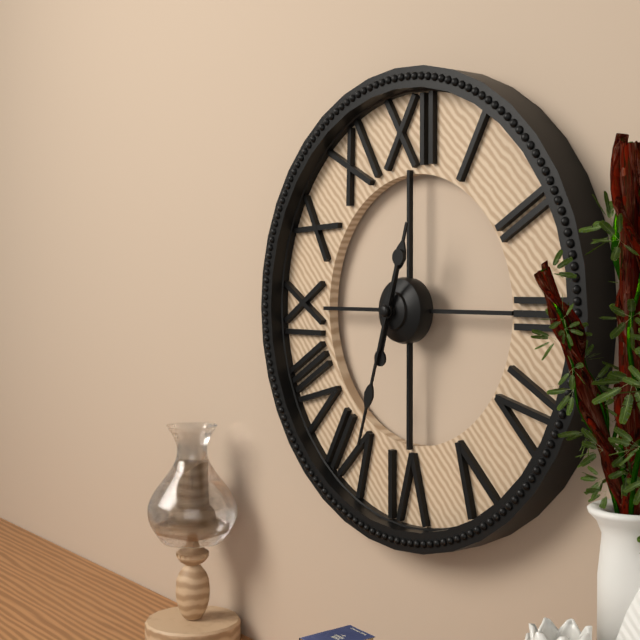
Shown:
12 h 33 min
